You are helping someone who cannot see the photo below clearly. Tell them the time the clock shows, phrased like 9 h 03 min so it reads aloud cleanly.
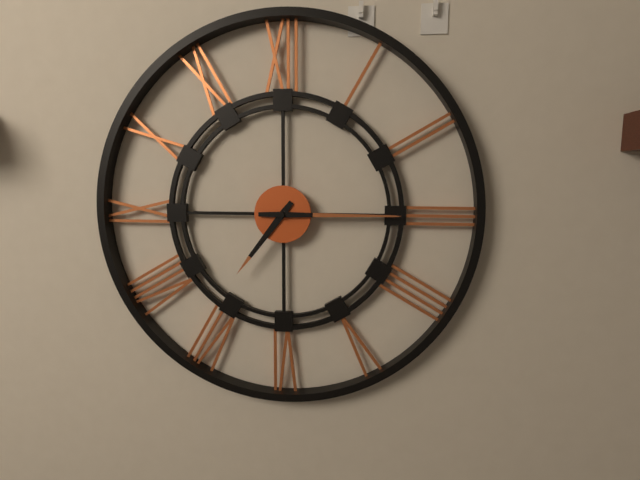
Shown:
7 h 15 min
